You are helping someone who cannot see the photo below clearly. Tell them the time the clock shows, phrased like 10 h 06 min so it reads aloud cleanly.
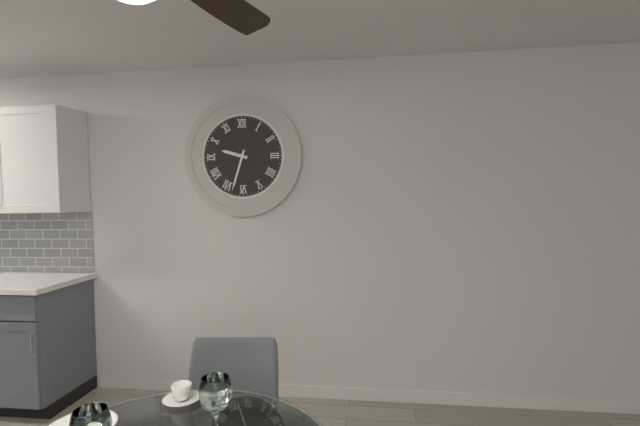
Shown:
9 h 33 min
